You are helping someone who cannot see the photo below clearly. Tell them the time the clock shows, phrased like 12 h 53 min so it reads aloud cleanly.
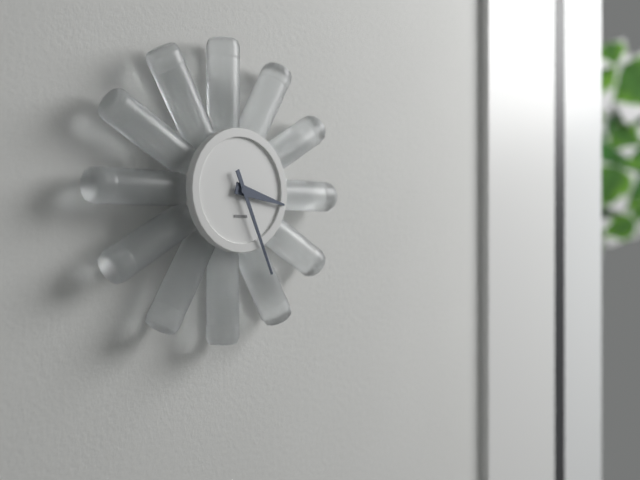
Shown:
3 h 26 min
